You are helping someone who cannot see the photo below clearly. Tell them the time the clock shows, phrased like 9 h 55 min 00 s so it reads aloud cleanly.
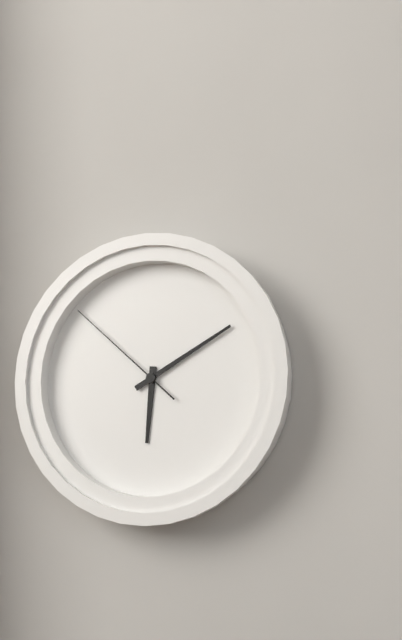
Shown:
6 h 10 min 52 s
